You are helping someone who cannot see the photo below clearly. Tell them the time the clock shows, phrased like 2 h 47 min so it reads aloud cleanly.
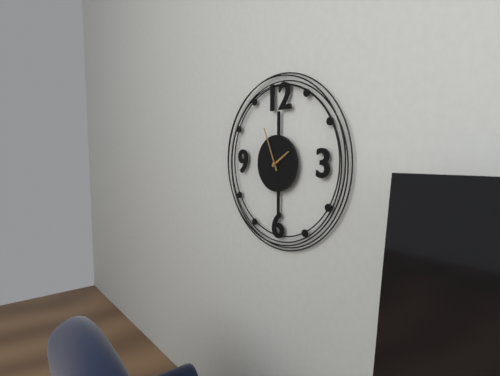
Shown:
1 h 56 min
